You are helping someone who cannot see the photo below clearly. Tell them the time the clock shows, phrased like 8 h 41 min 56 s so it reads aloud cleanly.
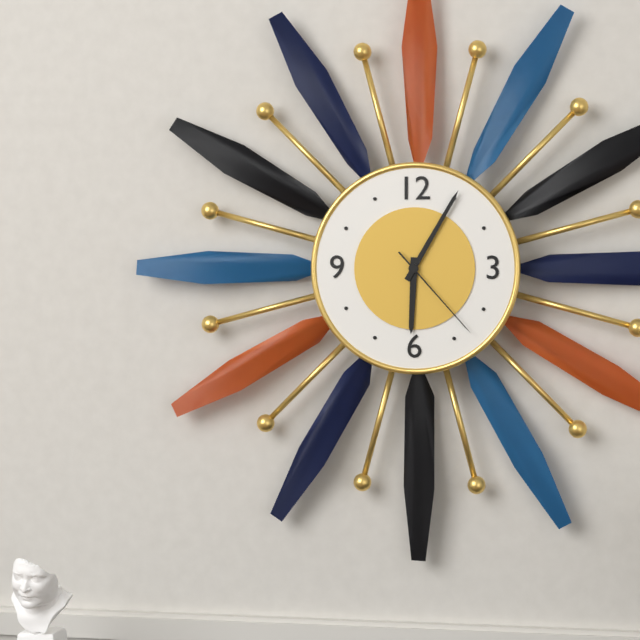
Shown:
6 h 05 min 23 s
